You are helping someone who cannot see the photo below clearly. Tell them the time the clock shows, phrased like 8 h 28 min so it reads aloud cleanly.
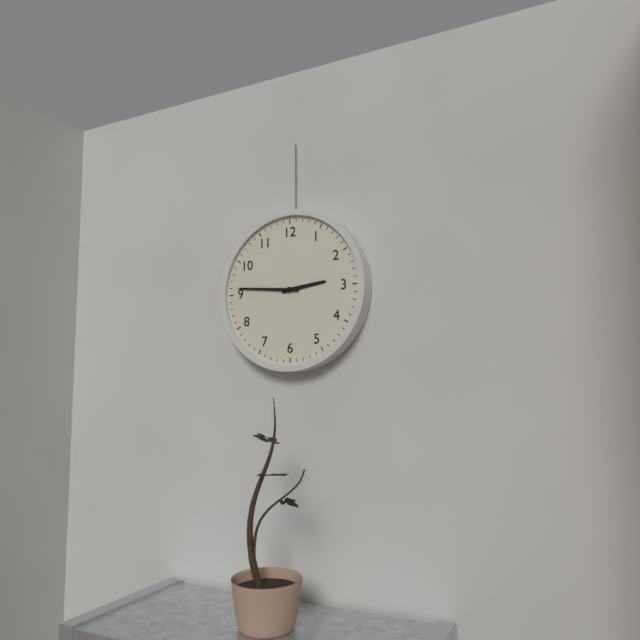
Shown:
2 h 46 min
